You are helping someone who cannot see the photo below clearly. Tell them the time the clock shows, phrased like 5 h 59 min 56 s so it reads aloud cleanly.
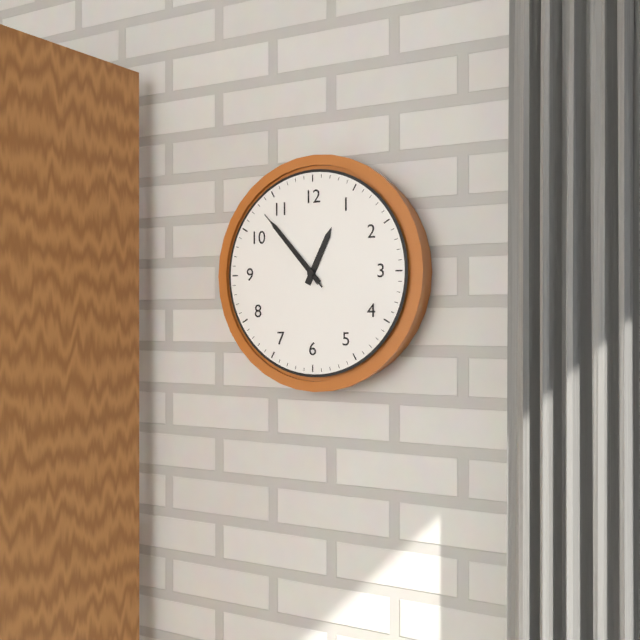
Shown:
12 h 53 min 53 s
